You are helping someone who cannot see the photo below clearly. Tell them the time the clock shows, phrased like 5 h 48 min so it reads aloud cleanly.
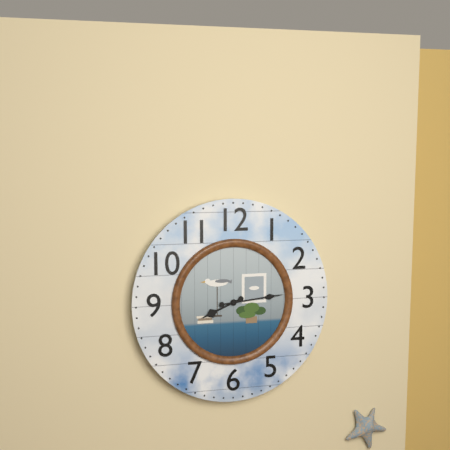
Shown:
8 h 14 min
